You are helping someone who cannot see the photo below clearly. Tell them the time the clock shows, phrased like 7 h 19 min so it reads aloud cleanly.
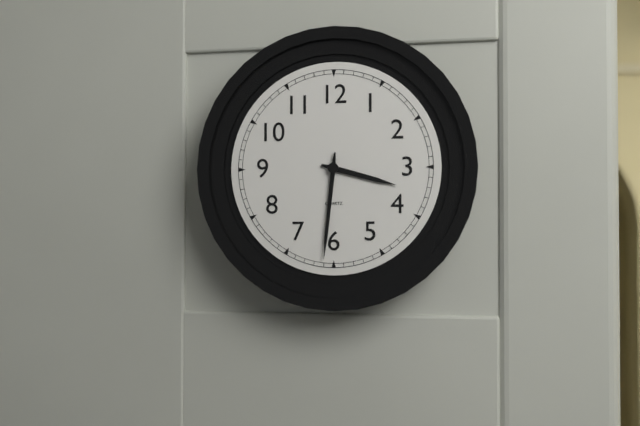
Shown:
3 h 31 min
